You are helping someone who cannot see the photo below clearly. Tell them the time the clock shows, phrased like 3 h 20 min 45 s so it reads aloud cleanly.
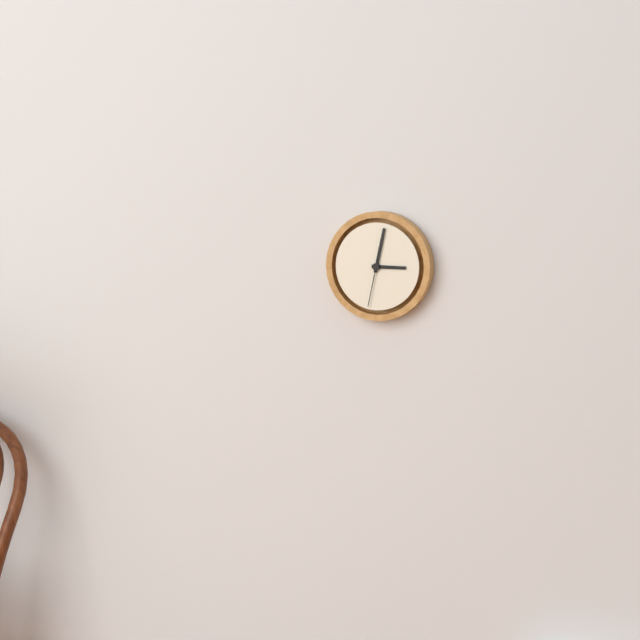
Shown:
3 h 02 min 32 s
